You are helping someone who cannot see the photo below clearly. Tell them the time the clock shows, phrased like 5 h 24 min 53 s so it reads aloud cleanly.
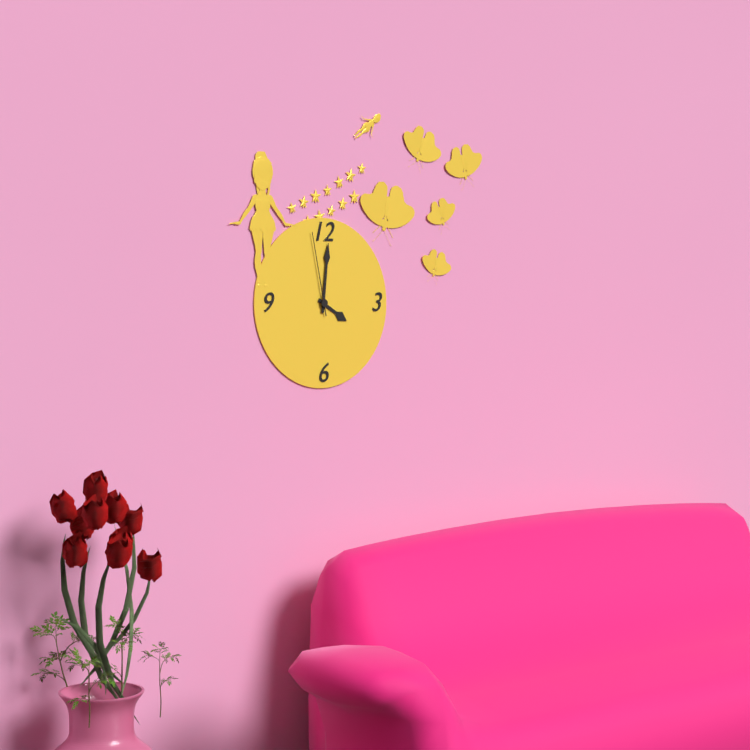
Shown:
4 h 01 min 58 s
